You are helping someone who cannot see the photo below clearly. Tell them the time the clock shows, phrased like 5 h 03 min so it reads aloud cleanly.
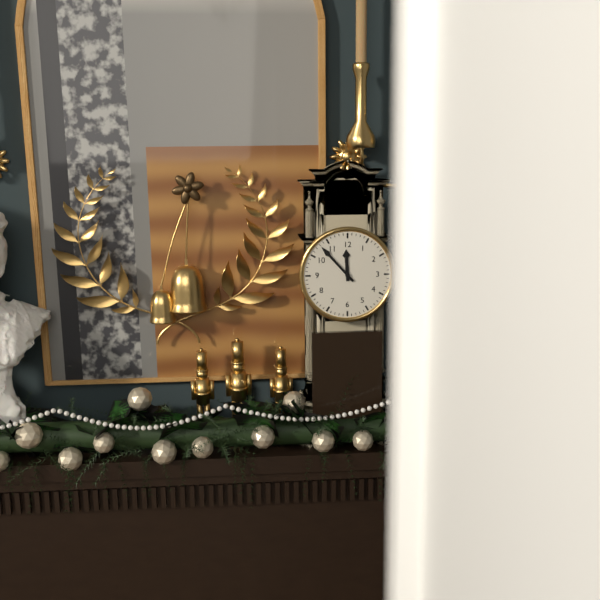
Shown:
11 h 53 min
